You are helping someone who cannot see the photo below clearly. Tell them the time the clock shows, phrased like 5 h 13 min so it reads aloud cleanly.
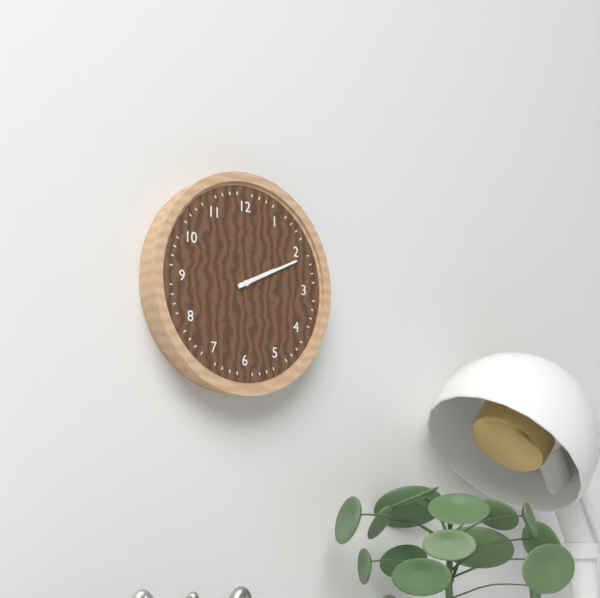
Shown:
2 h 11 min
